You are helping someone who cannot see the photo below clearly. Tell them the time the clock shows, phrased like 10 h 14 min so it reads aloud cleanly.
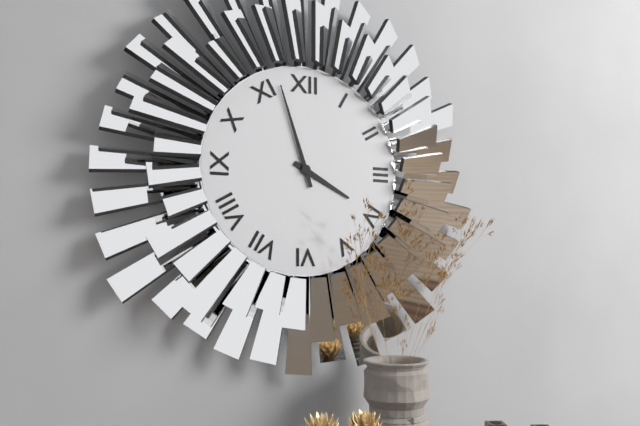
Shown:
3 h 57 min
